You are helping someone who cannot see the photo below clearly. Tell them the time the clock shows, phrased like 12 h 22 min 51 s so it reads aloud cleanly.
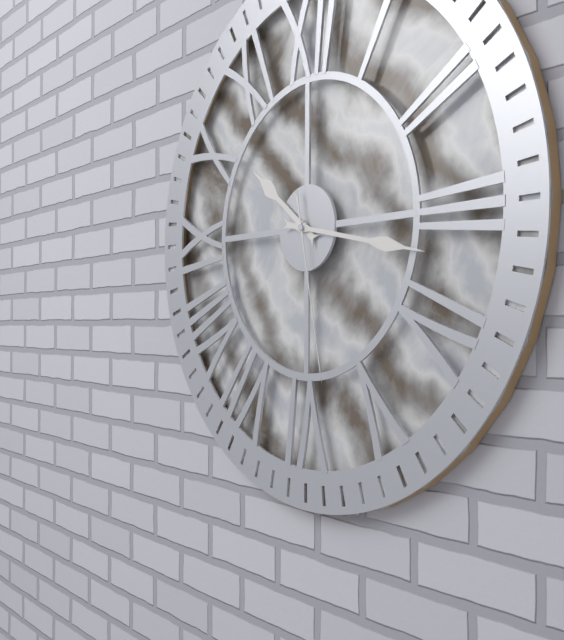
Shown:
10 h 17 min 28 s
